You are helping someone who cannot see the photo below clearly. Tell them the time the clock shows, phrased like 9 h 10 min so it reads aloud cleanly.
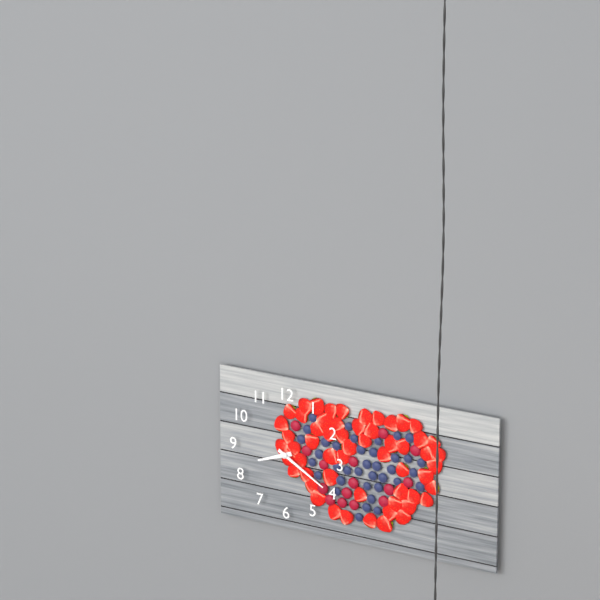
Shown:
8 h 20 min
